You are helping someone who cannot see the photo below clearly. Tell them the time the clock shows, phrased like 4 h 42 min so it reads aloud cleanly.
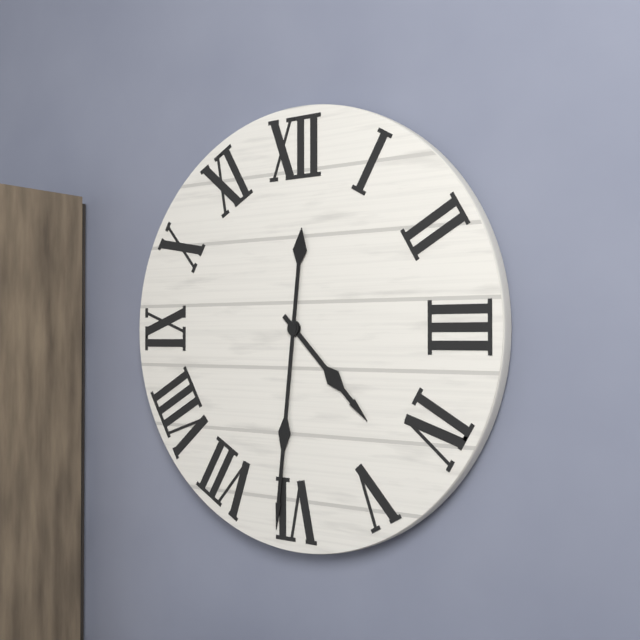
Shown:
4 h 31 min
